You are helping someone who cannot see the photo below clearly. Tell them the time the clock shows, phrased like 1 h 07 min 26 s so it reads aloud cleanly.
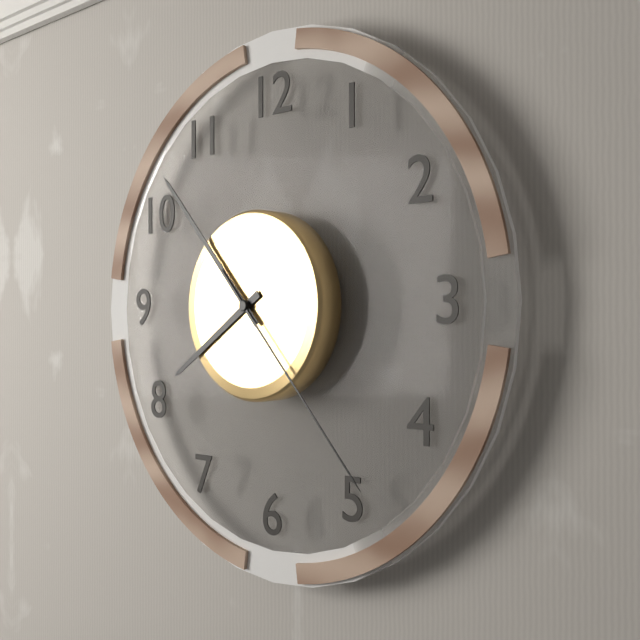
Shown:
7 h 53 min 23 s
